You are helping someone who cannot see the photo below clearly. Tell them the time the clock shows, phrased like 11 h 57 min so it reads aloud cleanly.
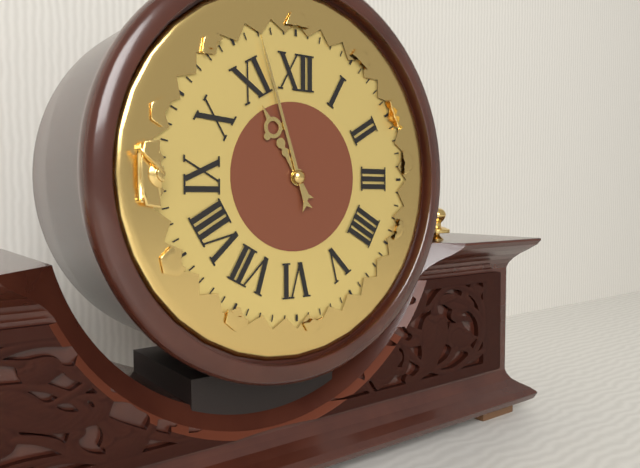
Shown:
10 h 57 min
